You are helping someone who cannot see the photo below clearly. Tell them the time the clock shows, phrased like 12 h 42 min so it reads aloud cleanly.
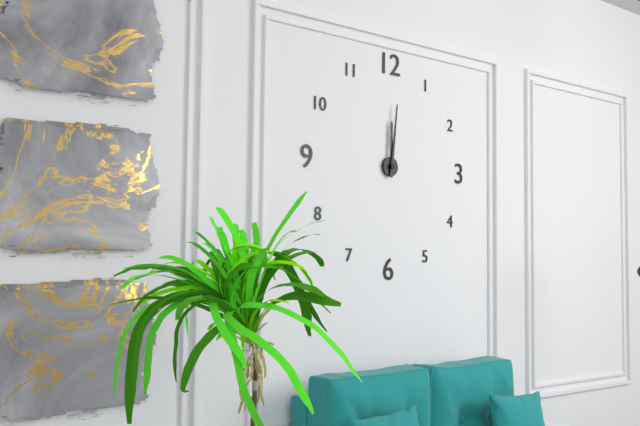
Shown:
12 h 01 min
